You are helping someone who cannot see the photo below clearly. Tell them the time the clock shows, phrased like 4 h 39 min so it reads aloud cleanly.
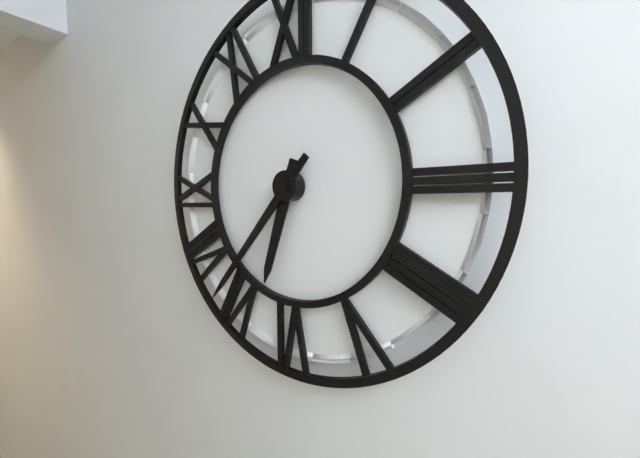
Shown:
6 h 37 min
